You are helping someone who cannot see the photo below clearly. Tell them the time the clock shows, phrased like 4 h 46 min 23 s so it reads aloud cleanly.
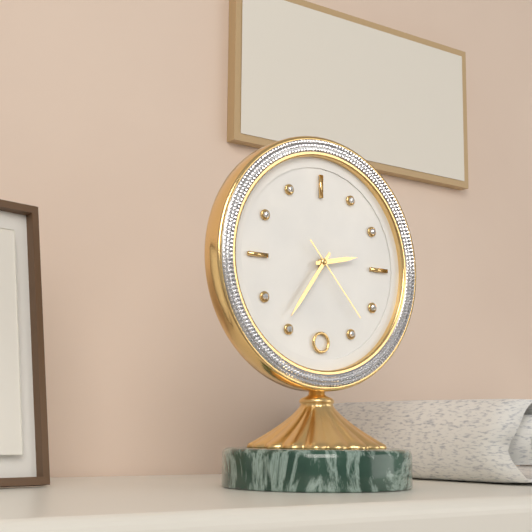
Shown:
2 h 36 min 23 s
